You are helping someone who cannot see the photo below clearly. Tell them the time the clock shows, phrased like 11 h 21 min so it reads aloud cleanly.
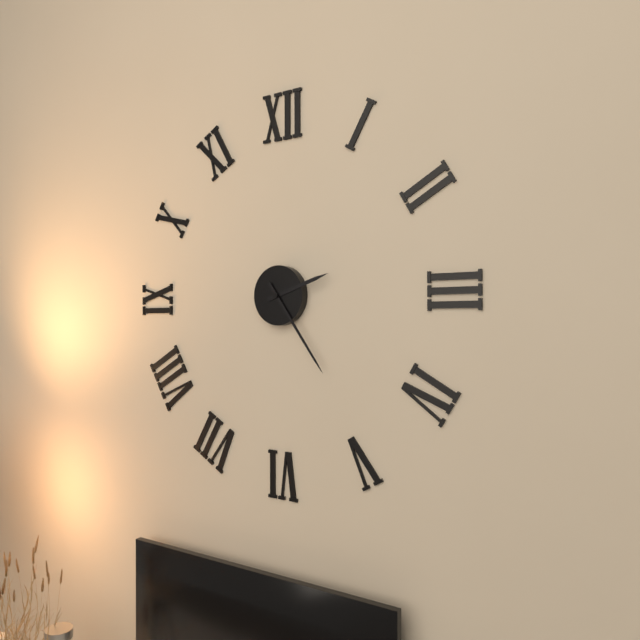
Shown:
2 h 24 min
